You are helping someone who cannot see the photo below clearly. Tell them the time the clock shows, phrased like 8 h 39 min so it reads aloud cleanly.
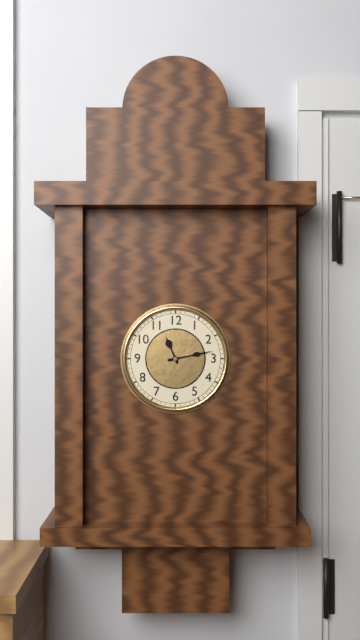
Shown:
11 h 13 min
